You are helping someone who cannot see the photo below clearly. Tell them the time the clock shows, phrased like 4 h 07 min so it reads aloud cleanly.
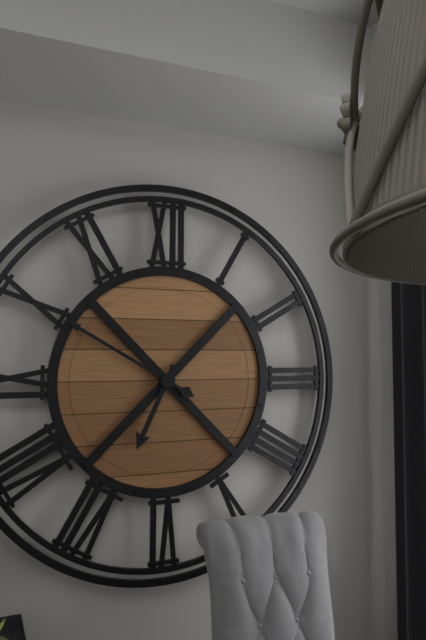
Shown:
6 h 50 min
